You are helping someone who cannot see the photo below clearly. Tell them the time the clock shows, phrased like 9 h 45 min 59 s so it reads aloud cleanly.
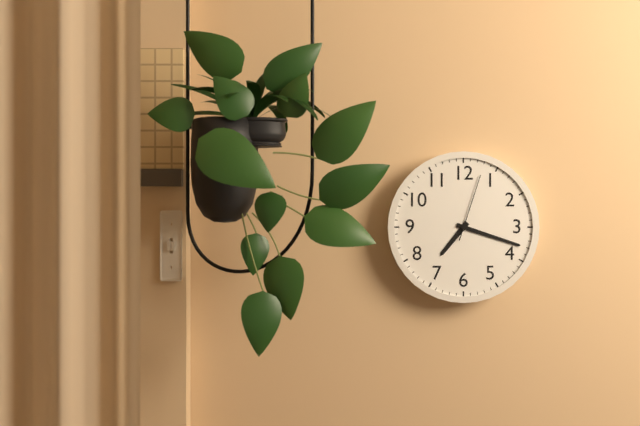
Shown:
7 h 18 min 03 s
